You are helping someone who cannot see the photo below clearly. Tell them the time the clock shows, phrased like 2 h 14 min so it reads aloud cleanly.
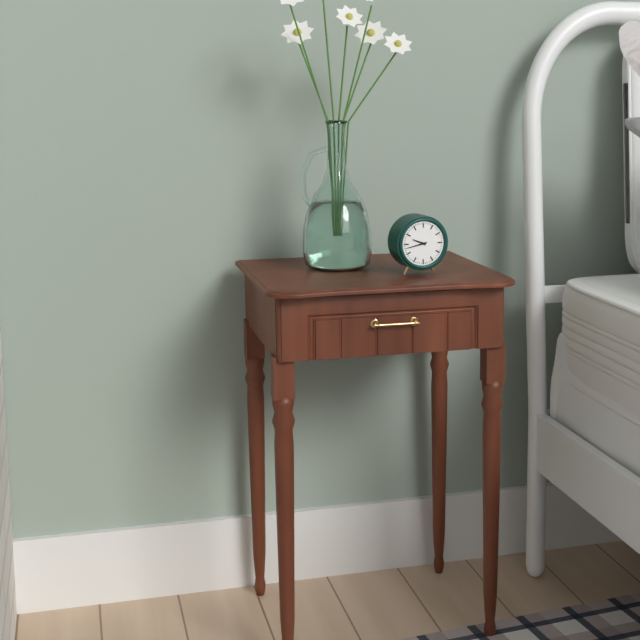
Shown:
9 h 43 min
